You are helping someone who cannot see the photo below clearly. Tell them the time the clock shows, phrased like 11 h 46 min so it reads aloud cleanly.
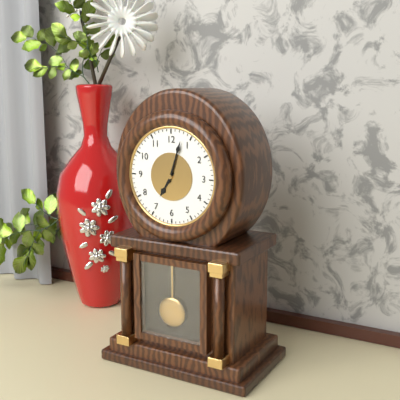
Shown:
7 h 03 min
